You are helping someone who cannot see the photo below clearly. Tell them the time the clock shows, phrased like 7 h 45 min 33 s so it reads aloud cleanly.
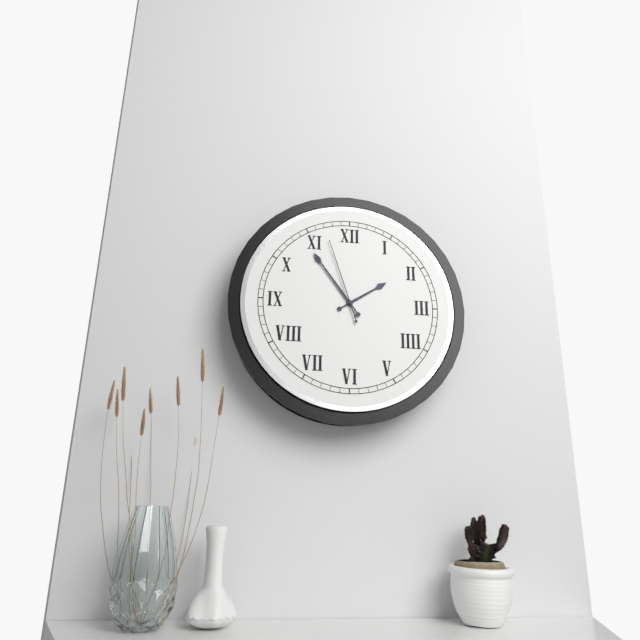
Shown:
1 h 54 min 57 s
